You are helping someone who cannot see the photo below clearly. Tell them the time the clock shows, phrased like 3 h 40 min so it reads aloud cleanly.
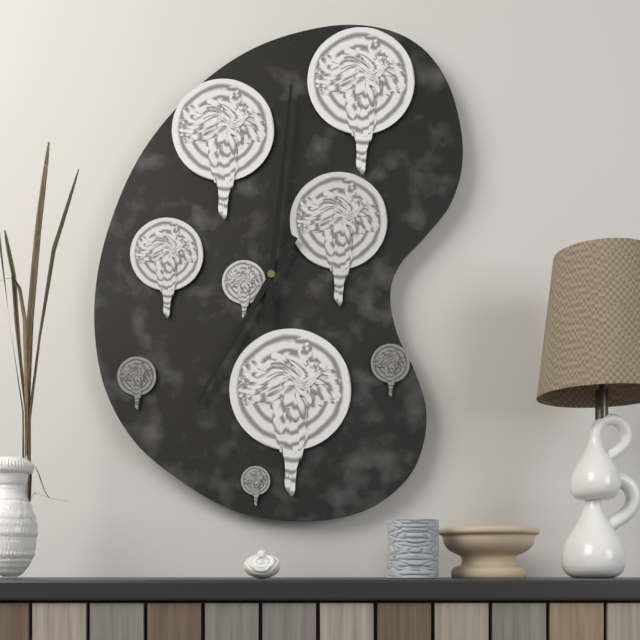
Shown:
7 h 01 min
